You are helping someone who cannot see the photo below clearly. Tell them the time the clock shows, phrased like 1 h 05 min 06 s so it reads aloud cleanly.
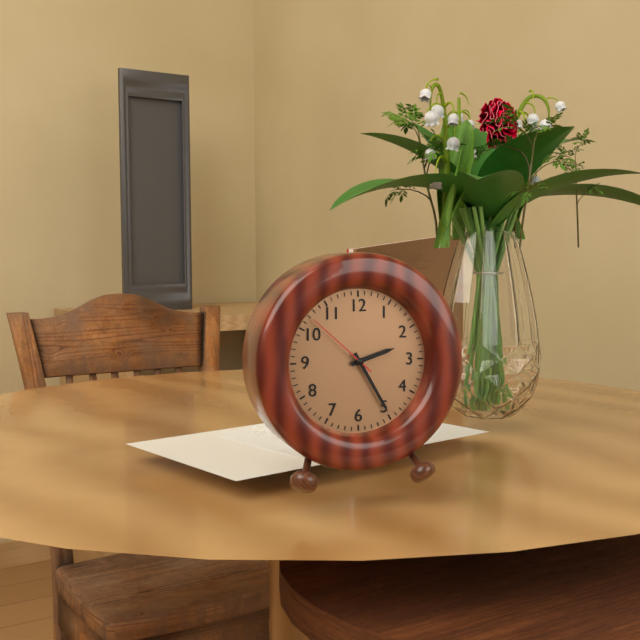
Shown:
2 h 25 min 52 s
